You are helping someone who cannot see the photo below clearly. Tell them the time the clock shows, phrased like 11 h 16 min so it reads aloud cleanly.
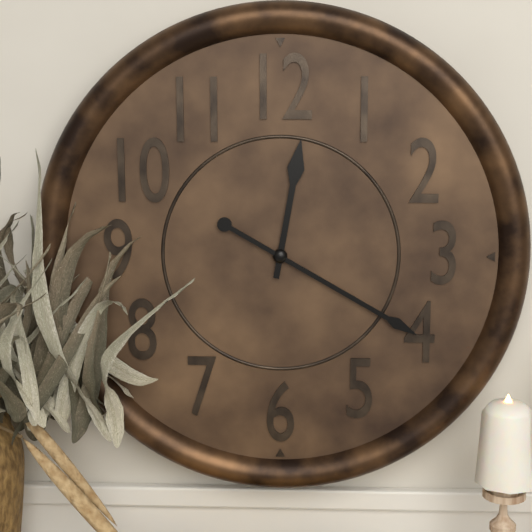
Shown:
12 h 20 min
